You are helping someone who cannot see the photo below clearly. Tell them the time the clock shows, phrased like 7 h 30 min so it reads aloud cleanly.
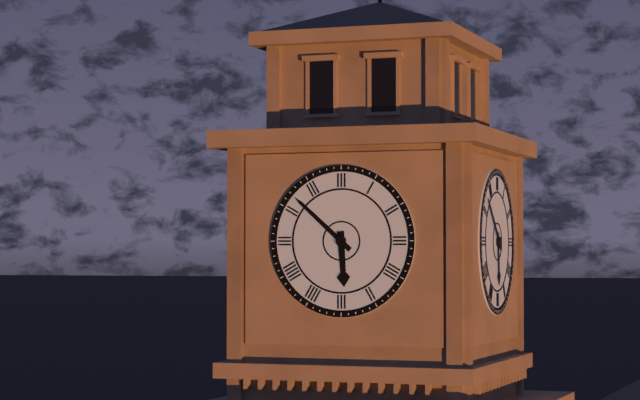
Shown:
5 h 52 min
